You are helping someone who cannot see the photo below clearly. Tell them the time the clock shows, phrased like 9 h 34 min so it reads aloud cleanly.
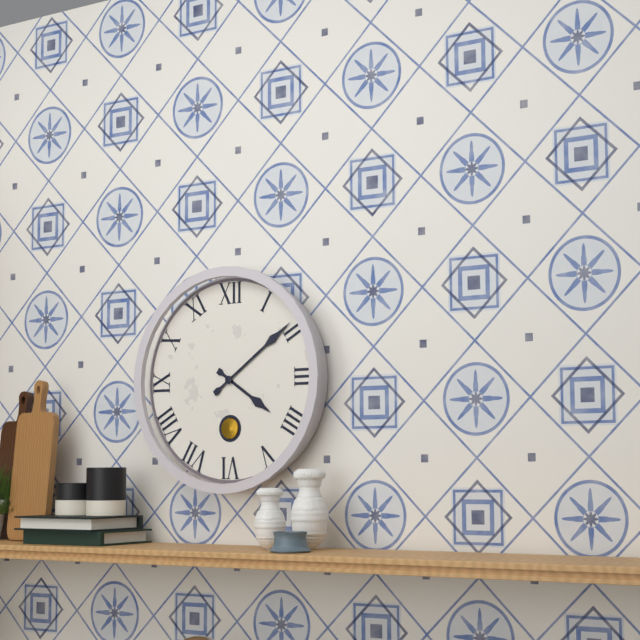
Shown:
4 h 09 min
